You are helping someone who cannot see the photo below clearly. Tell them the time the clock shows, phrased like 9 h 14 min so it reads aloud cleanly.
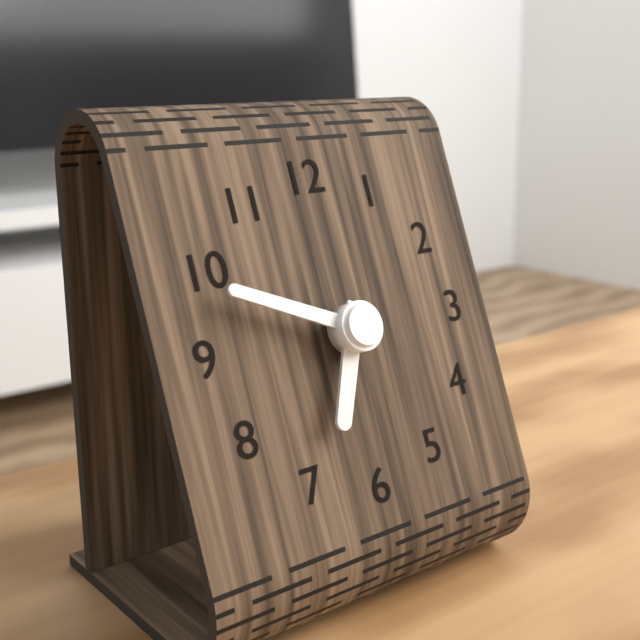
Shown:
6 h 49 min
